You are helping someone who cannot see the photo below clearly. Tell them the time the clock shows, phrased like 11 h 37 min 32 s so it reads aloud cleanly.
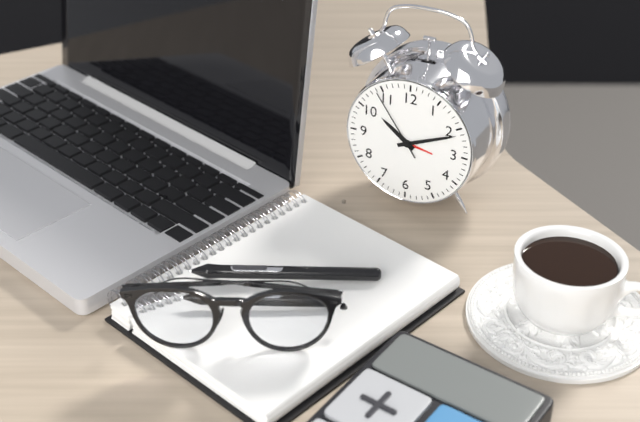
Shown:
10 h 11 min 54 s
